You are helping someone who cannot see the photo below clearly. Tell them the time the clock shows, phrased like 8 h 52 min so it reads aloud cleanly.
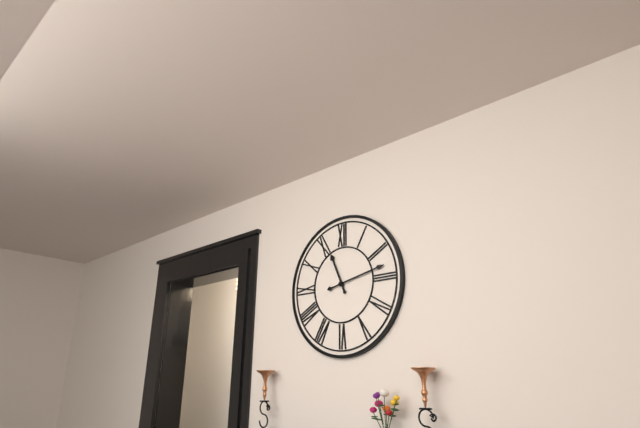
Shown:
11 h 13 min
